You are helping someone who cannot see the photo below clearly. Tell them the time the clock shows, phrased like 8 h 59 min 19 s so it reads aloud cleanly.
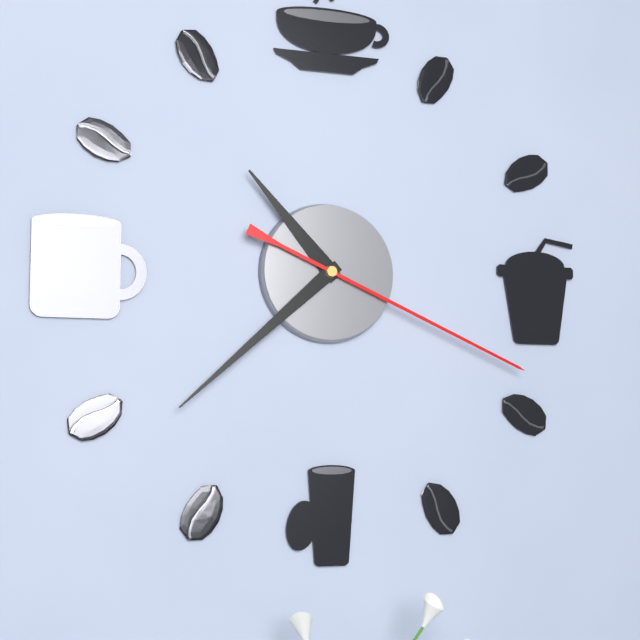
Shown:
10 h 38 min 19 s
